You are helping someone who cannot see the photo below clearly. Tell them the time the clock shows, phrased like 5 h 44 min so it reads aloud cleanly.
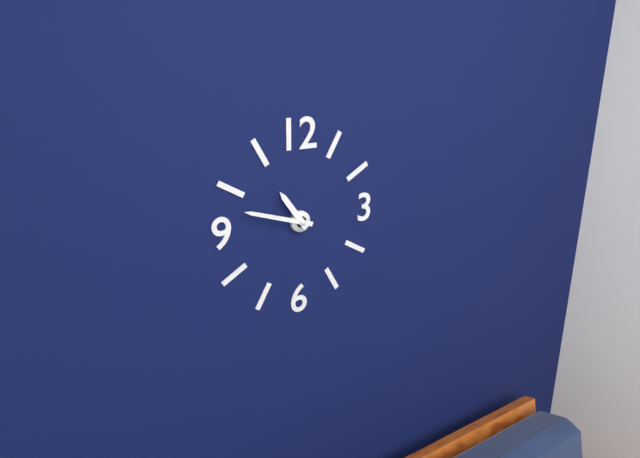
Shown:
10 h 48 min
